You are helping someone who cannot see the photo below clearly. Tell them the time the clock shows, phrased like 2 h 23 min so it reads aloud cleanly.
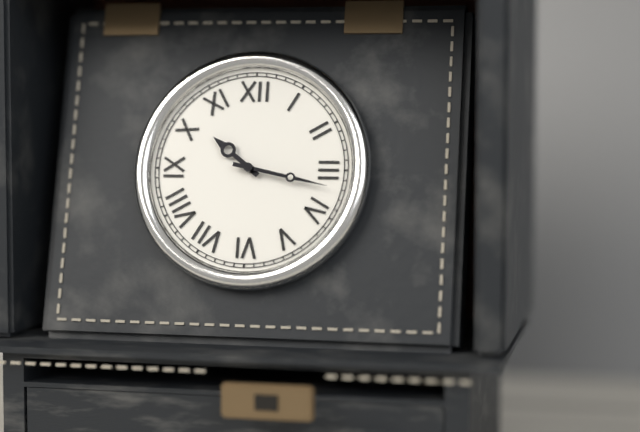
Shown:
10 h 17 min
